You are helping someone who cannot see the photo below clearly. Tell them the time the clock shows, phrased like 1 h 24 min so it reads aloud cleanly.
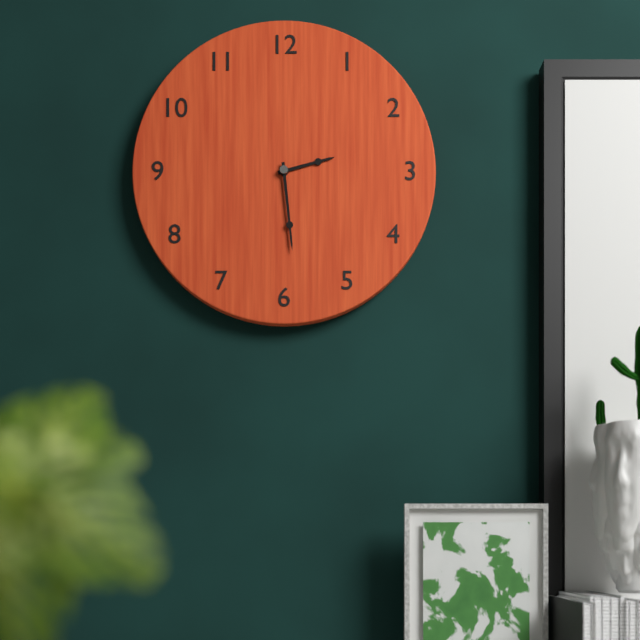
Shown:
2 h 29 min
